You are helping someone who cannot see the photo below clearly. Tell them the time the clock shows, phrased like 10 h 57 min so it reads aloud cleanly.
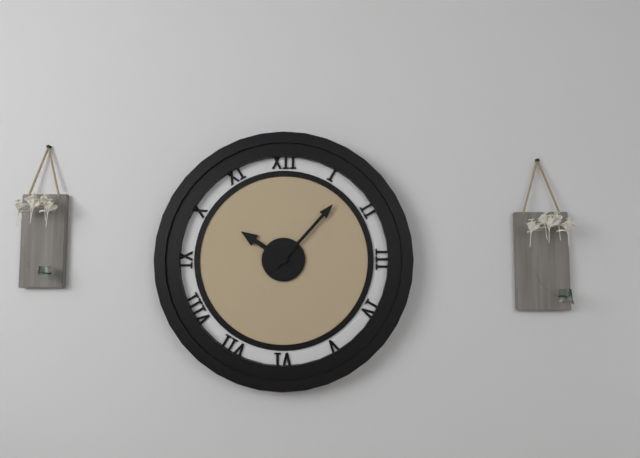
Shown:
10 h 07 min
